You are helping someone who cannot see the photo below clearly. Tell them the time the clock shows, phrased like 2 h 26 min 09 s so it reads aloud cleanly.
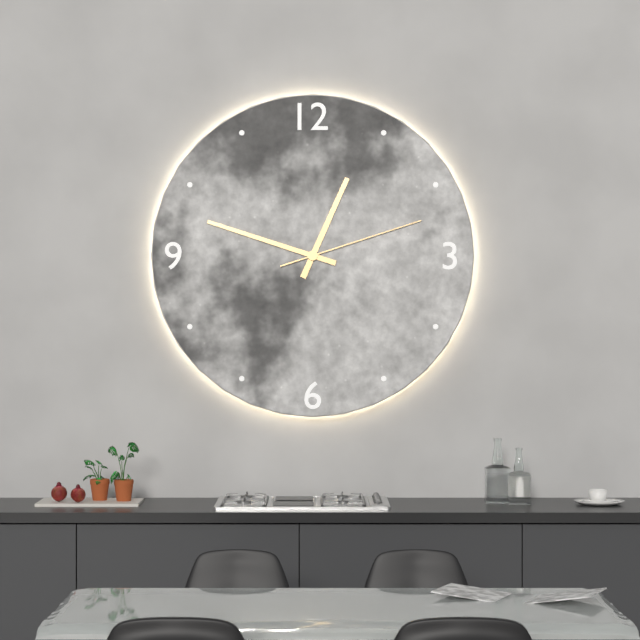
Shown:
12 h 48 min 12 s
